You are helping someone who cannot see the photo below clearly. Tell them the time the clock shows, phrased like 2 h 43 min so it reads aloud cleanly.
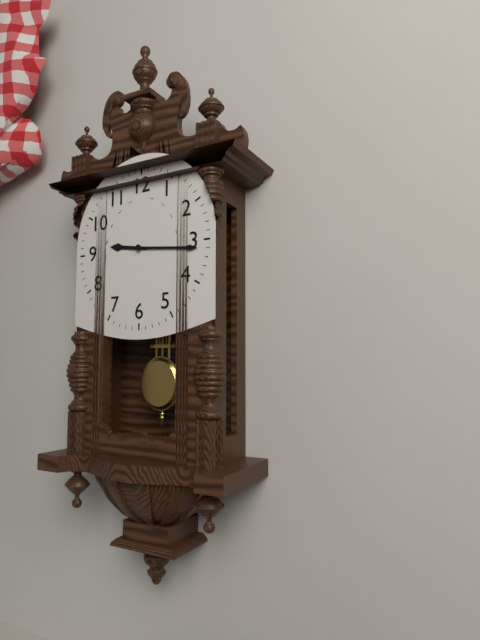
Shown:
9 h 16 min
